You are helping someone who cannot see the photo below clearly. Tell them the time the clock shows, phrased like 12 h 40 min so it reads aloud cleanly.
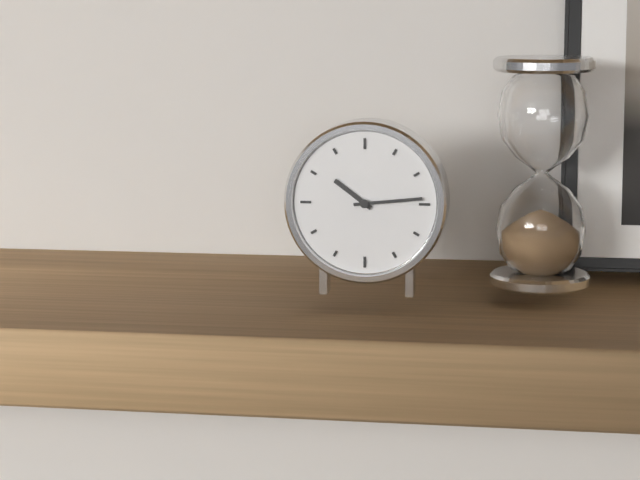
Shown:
10 h 14 min
